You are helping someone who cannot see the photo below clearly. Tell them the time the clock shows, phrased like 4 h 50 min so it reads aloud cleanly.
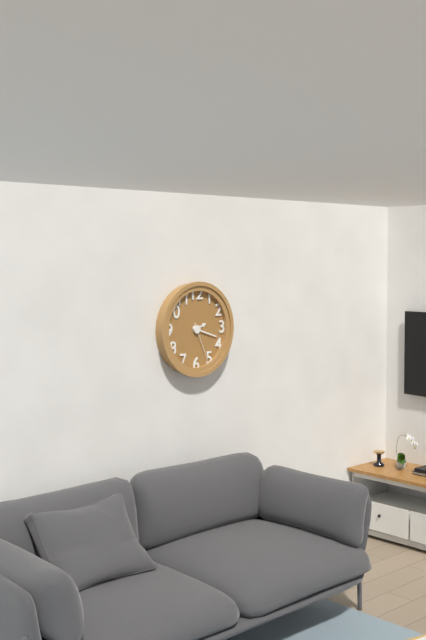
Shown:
2 h 18 min
